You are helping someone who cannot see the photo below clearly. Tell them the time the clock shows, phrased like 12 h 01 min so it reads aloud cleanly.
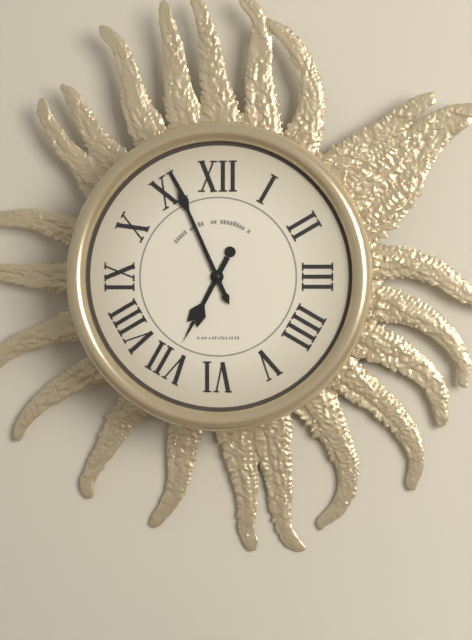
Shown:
6 h 56 min
